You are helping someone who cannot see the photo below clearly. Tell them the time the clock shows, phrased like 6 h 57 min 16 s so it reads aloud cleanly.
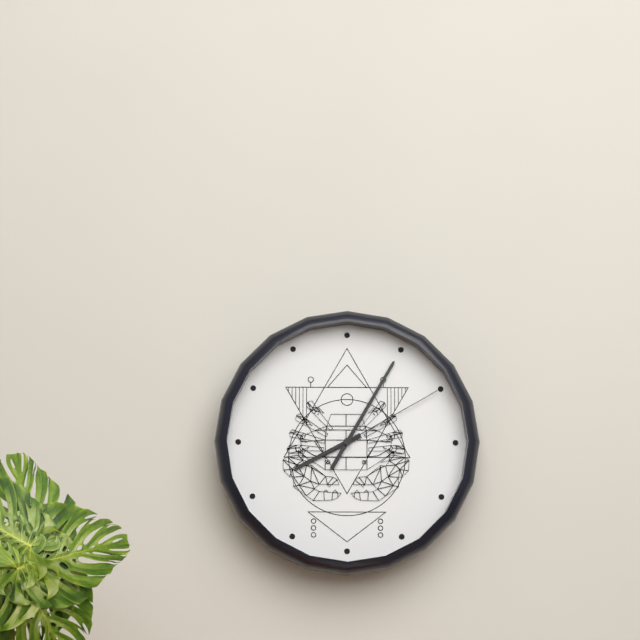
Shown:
8 h 05 min 10 s
